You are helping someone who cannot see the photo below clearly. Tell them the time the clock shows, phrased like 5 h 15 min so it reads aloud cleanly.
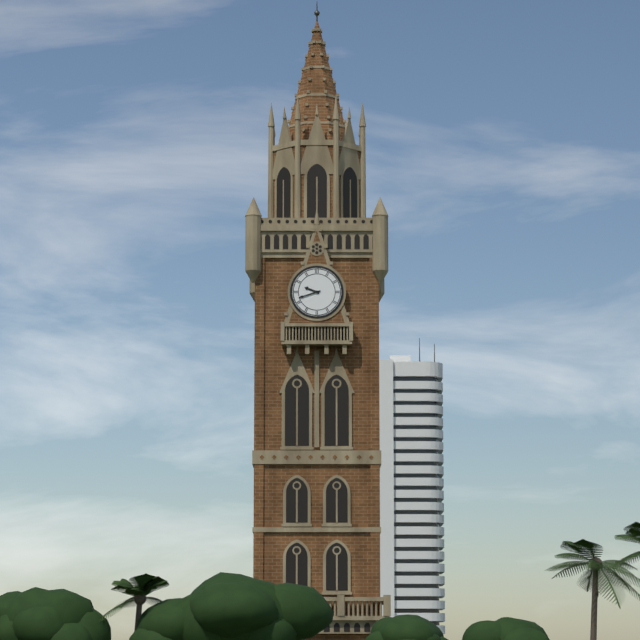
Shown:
9 h 42 min
